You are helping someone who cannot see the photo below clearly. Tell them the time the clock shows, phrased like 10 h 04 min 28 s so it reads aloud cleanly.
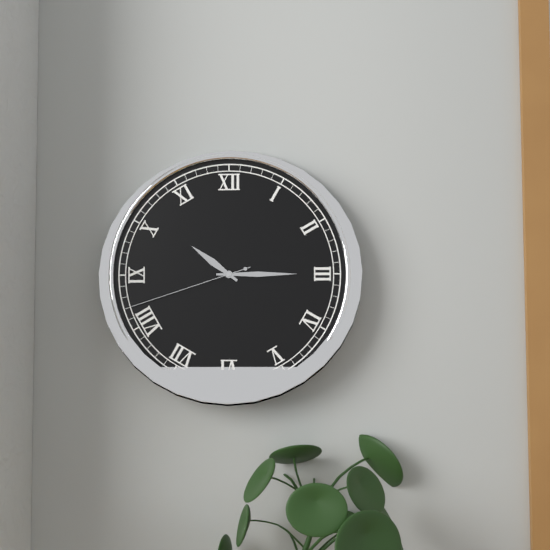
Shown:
10 h 15 min 42 s
